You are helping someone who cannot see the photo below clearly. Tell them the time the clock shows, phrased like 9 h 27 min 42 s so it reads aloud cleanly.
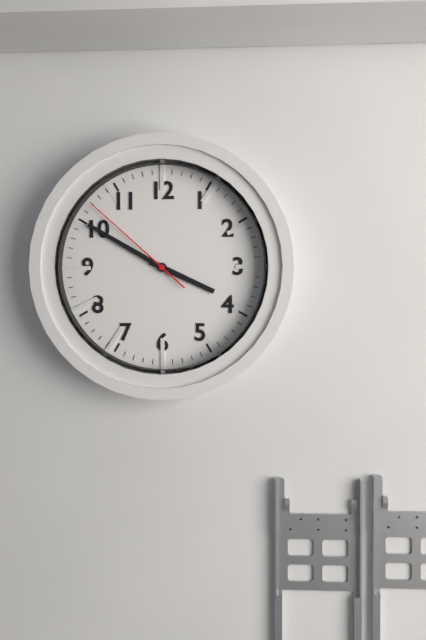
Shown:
3 h 50 min 52 s
